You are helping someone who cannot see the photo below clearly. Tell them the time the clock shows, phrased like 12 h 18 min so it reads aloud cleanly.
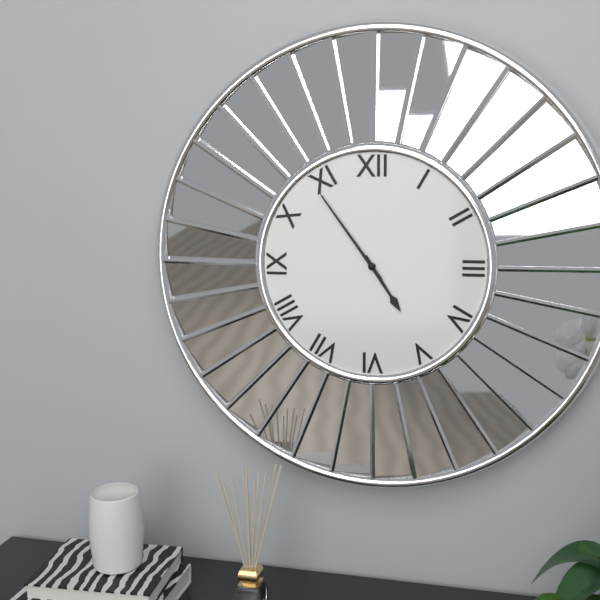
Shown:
4 h 54 min
